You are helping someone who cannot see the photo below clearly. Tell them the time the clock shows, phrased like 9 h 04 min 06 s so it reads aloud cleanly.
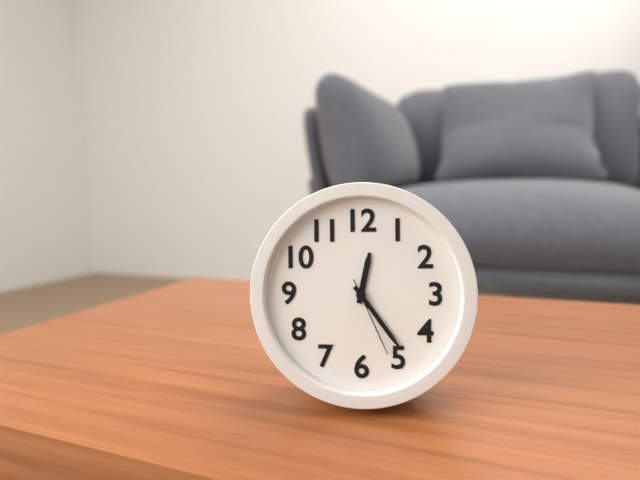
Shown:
12 h 24 min 26 s
